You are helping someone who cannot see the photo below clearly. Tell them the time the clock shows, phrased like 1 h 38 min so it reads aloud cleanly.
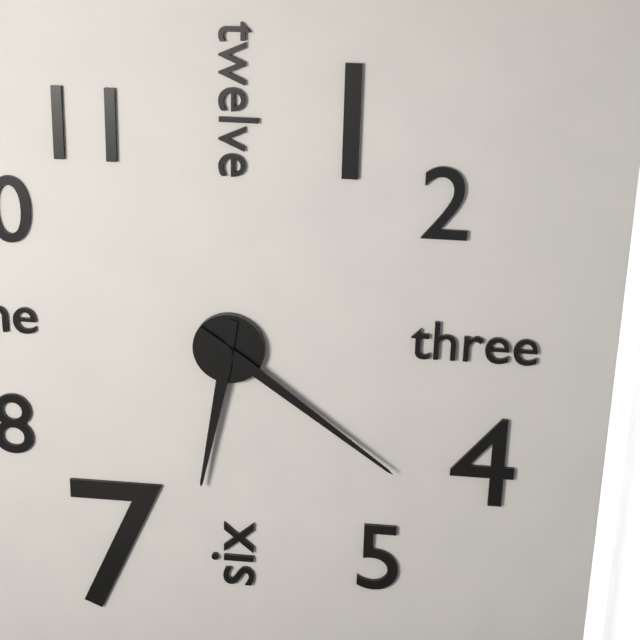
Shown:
6 h 21 min
